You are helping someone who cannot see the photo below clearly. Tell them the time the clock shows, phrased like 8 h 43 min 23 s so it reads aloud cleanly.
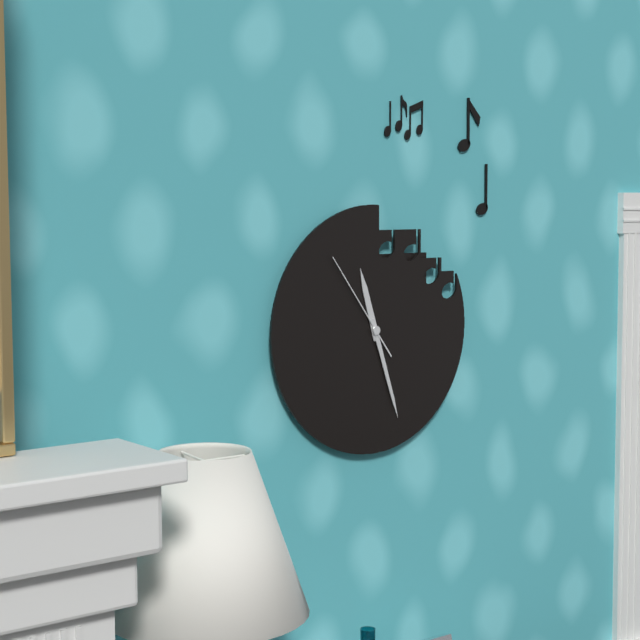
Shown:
11 h 27 min 54 s
